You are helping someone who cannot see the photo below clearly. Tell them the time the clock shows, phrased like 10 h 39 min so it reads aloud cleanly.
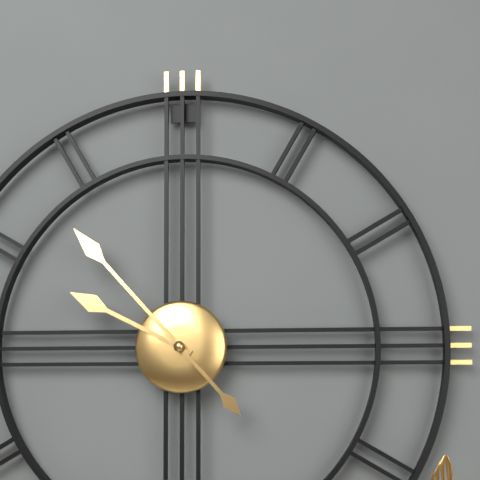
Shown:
9 h 53 min
